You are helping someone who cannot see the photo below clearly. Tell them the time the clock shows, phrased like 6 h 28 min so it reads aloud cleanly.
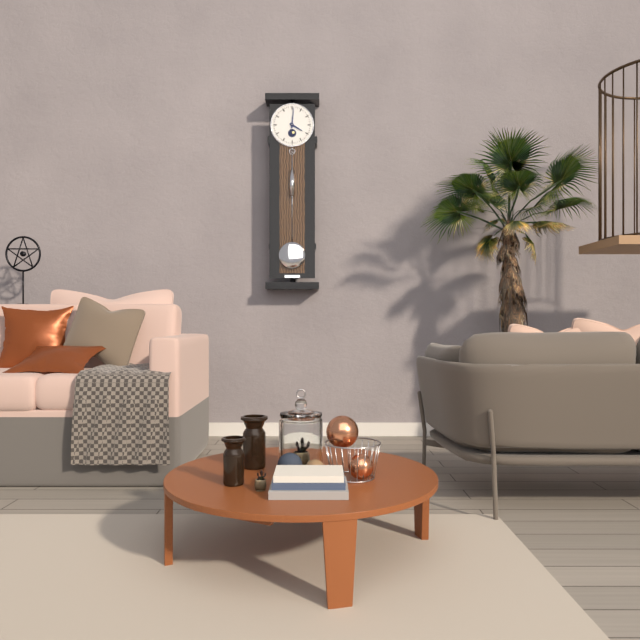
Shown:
4 h 01 min
